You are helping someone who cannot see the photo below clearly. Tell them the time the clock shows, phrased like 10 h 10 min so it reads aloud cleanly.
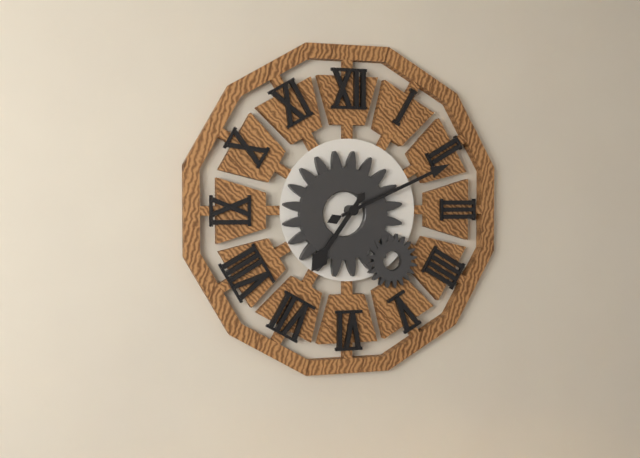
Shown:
7 h 11 min
